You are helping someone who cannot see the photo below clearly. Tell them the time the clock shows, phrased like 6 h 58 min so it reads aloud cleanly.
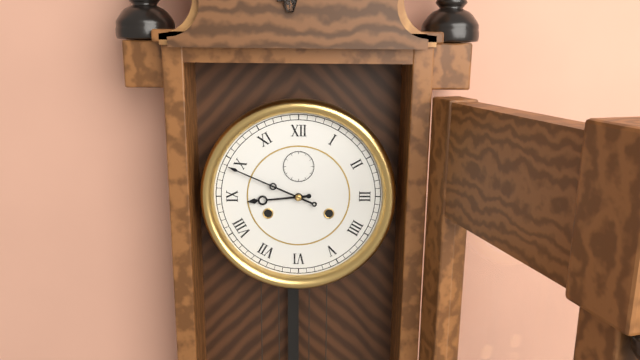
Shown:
8 h 49 min
